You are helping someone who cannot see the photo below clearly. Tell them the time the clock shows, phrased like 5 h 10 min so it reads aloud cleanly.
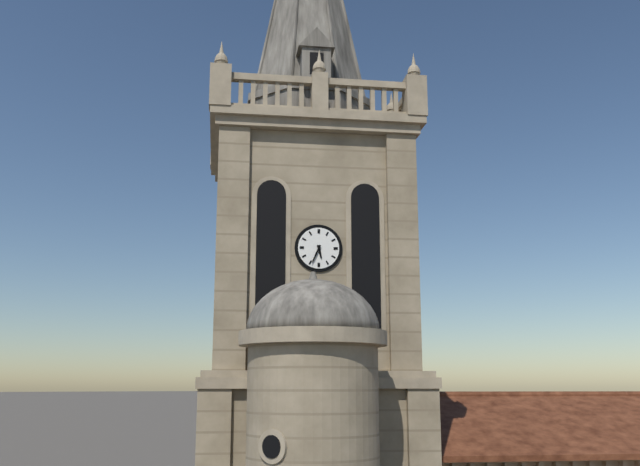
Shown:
5 h 34 min
